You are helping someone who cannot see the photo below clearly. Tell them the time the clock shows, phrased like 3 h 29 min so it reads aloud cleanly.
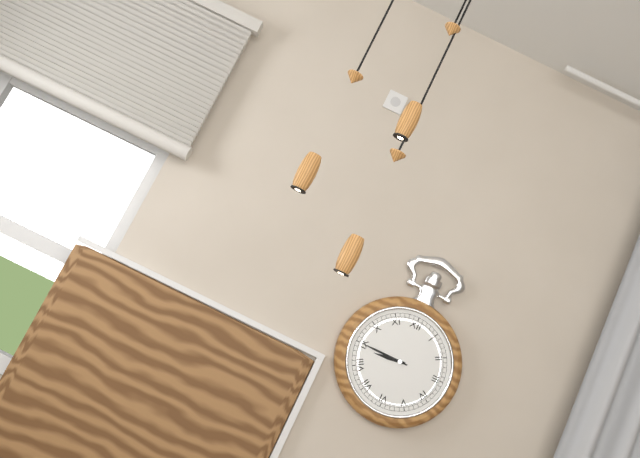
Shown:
8 h 45 min
